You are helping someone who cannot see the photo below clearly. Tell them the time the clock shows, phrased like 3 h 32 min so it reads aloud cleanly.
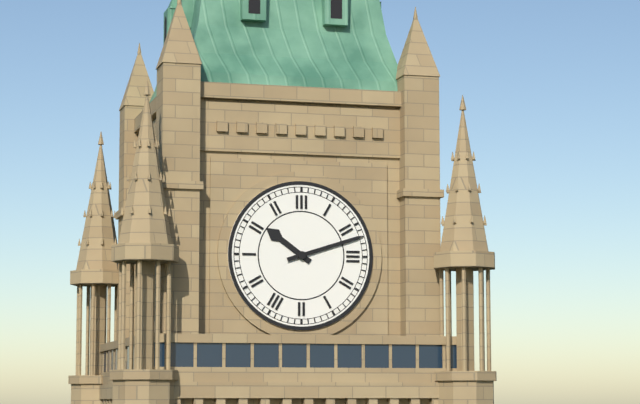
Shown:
10 h 12 min
